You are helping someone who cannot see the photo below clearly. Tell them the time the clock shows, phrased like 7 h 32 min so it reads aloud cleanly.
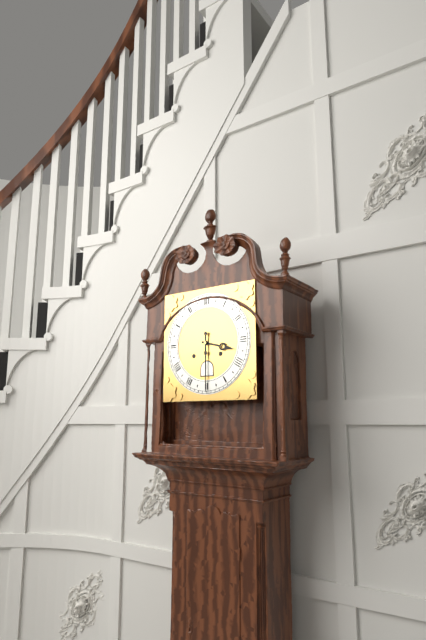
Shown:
3 h 30 min
